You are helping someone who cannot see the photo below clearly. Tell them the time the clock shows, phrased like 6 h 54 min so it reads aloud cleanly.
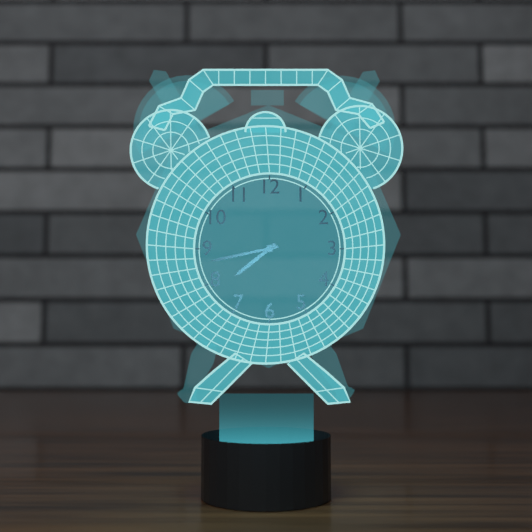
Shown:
7 h 43 min
